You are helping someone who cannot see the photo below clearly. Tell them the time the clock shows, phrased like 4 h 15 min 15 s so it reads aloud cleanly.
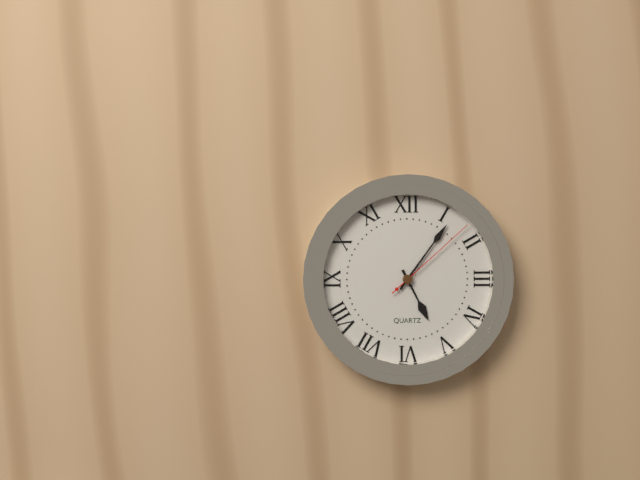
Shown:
5 h 06 min 08 s
